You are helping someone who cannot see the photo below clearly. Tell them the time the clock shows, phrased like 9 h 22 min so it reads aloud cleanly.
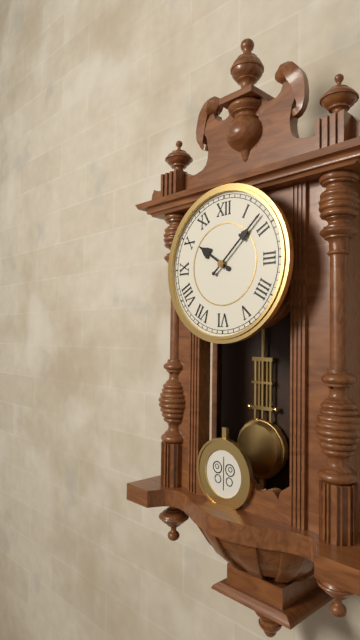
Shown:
10 h 08 min
